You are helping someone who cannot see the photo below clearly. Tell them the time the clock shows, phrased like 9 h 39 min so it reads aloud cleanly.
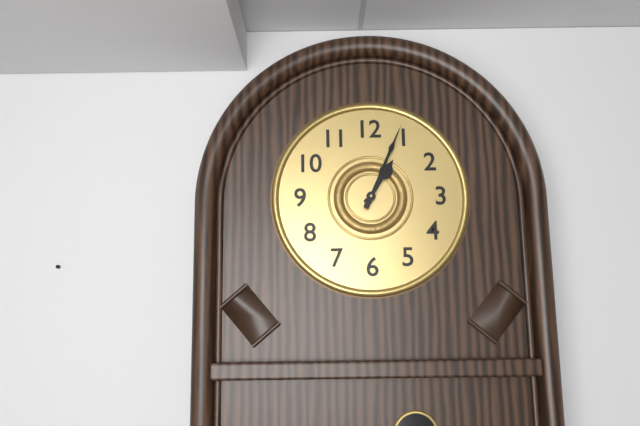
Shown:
1 h 04 min
